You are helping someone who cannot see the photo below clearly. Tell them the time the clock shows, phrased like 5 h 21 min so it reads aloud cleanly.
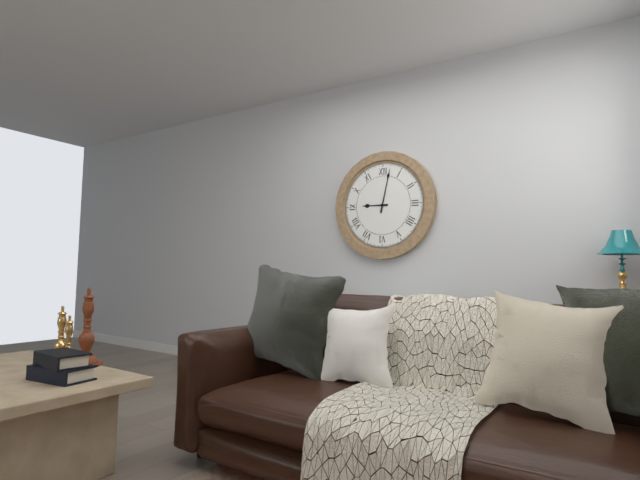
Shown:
9 h 02 min
